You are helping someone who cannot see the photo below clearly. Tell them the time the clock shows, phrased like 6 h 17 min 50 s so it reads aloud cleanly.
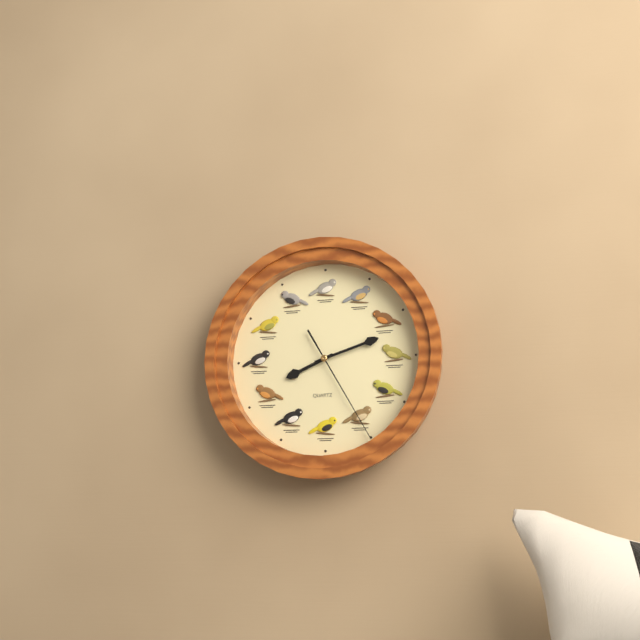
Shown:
8 h 12 min 25 s
